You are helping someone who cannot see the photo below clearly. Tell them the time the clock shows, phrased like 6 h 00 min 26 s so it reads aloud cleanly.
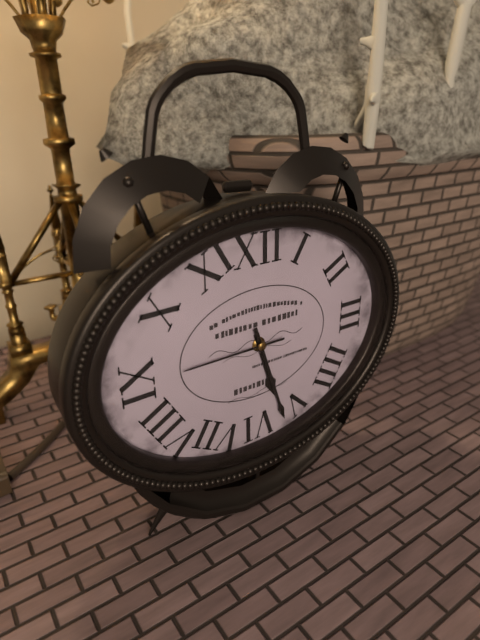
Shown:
5 h 27 min 45 s
